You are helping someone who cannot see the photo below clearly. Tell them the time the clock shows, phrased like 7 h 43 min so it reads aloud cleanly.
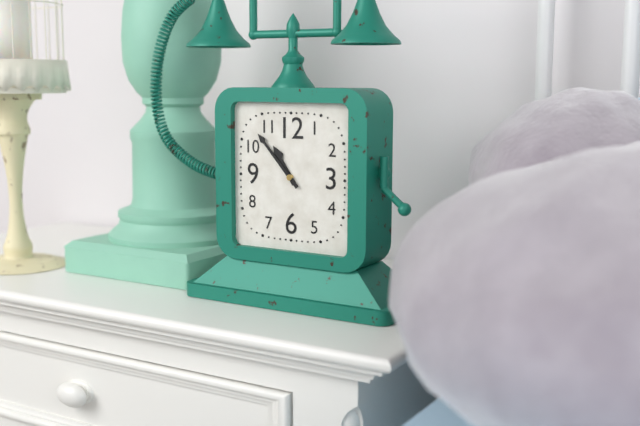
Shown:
10 h 53 min
